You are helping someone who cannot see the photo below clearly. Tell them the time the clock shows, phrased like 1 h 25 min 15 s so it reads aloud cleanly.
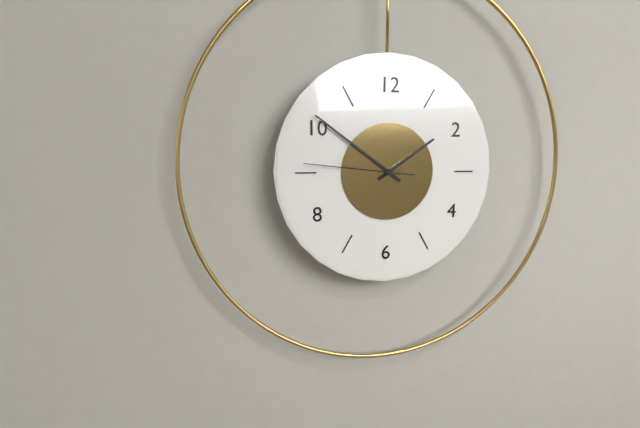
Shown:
1 h 51 min 46 s
